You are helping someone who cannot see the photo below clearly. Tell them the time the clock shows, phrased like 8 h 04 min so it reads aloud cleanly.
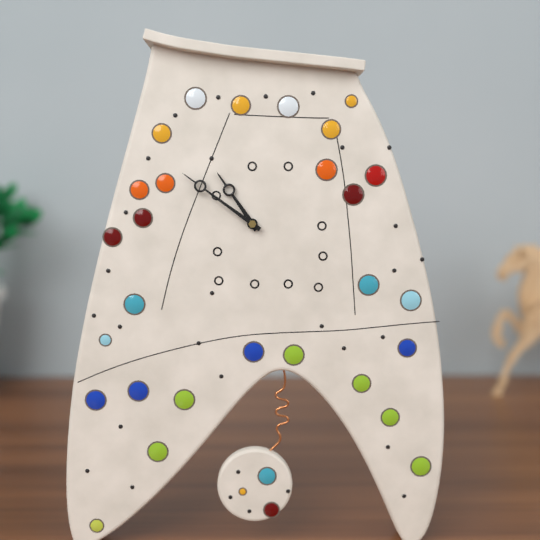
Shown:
10 h 51 min
